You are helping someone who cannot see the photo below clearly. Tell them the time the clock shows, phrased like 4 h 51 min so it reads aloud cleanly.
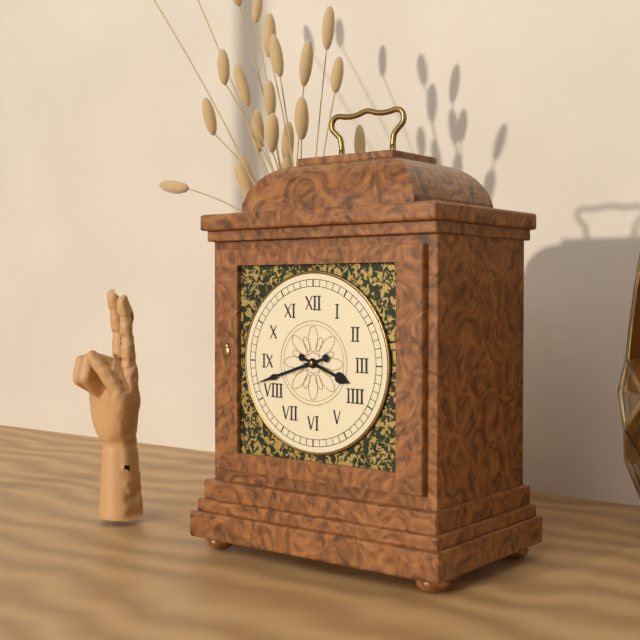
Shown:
3 h 42 min
